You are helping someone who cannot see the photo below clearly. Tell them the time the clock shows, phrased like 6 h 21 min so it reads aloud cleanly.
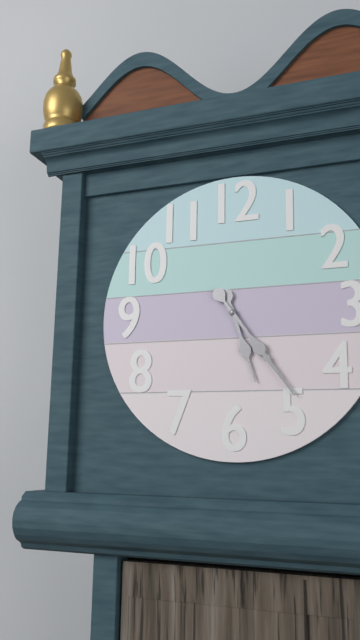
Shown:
5 h 24 min
